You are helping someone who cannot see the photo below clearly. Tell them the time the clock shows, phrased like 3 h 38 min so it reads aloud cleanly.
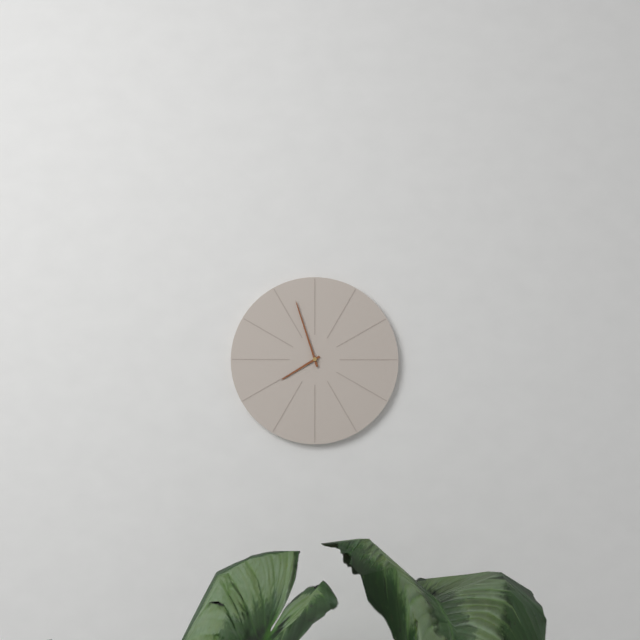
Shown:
7 h 57 min
